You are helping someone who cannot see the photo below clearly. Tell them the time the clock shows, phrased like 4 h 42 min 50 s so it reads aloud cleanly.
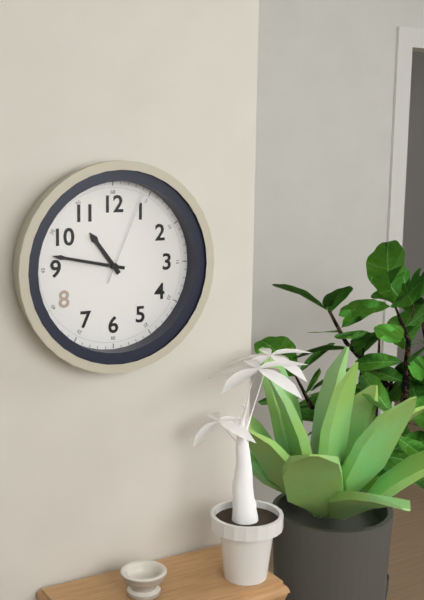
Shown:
10 h 47 min 04 s
